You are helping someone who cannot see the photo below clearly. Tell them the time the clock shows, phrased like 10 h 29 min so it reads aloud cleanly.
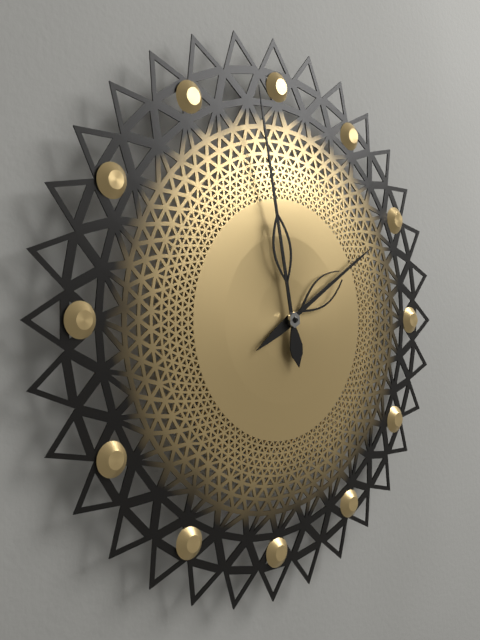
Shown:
1 h 58 min
